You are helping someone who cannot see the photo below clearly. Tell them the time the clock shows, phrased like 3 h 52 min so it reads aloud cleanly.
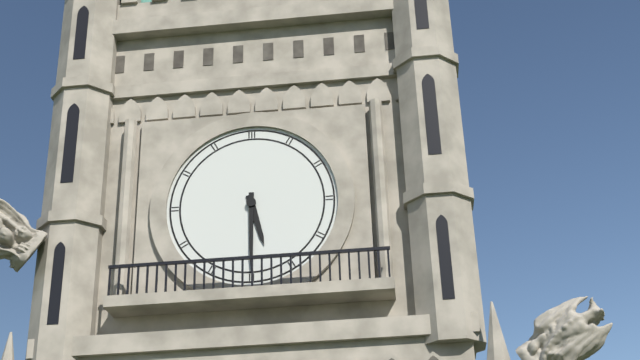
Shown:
5 h 30 min
